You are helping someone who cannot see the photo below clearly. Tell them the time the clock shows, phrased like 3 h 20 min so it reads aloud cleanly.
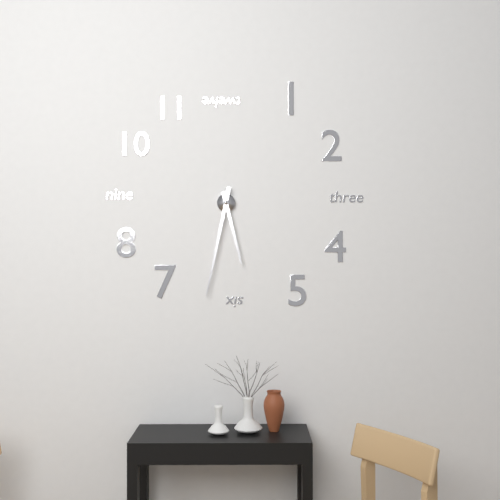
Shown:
5 h 32 min
